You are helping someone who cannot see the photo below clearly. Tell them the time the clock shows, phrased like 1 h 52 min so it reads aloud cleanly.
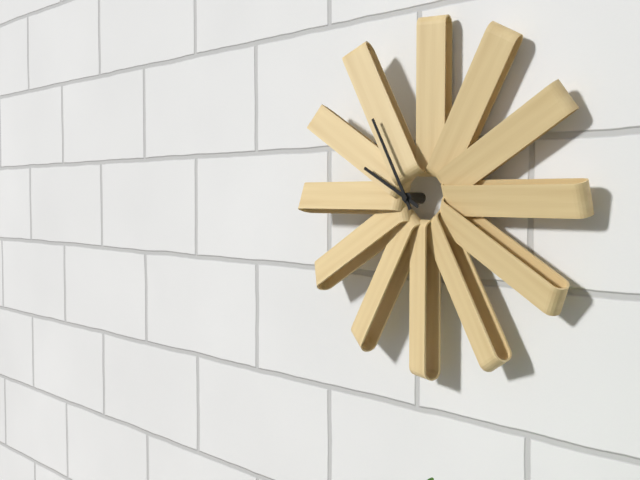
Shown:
9 h 55 min
